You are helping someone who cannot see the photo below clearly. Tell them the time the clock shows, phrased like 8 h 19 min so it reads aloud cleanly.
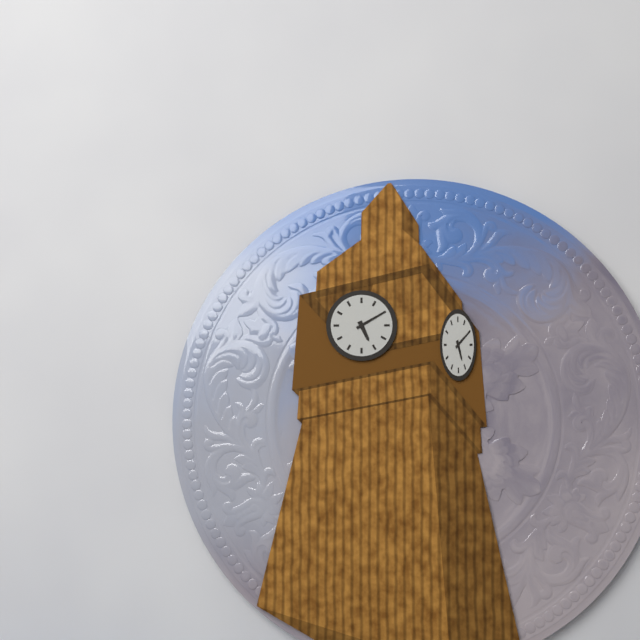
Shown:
5 h 10 min
